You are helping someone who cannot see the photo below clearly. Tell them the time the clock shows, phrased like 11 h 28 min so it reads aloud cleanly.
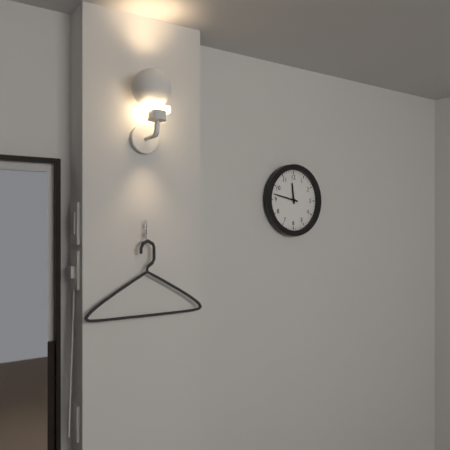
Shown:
11 h 47 min
